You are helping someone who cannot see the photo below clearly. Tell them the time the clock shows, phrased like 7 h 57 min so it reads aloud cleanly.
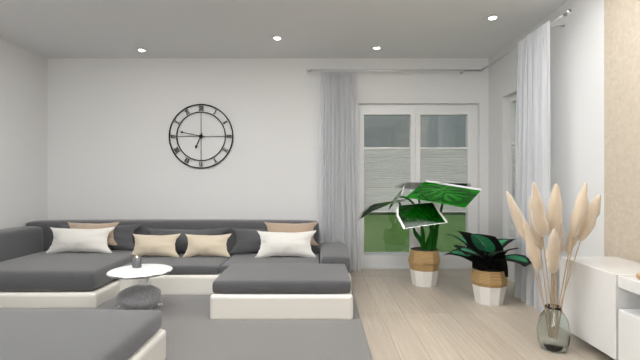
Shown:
6 h 47 min
